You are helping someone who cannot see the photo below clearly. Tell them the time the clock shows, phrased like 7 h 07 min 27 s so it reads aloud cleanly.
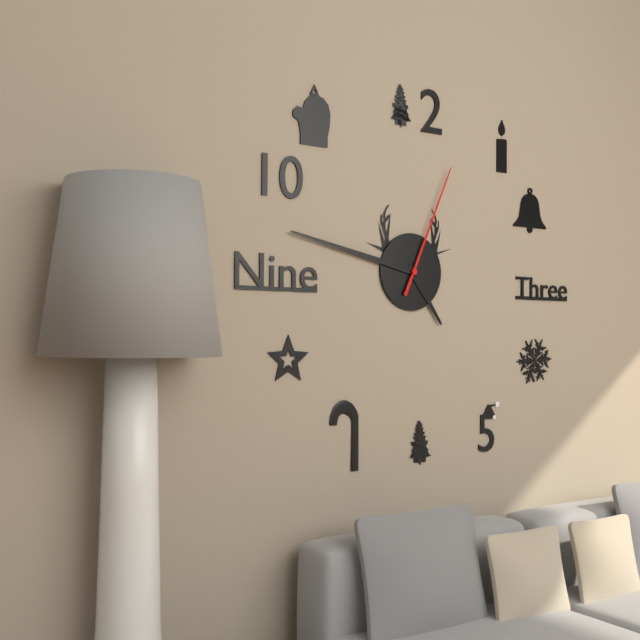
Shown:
4 h 47 min 04 s
